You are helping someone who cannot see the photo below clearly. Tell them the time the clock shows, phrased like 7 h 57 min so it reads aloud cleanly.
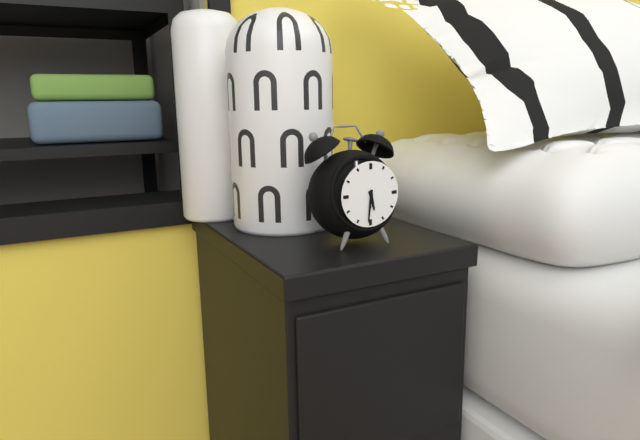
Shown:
5 h 31 min
